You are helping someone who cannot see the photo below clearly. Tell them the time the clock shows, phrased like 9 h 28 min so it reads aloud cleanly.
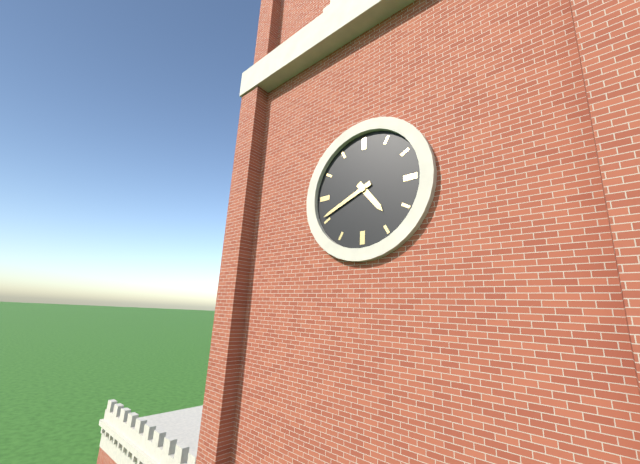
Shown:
4 h 41 min
